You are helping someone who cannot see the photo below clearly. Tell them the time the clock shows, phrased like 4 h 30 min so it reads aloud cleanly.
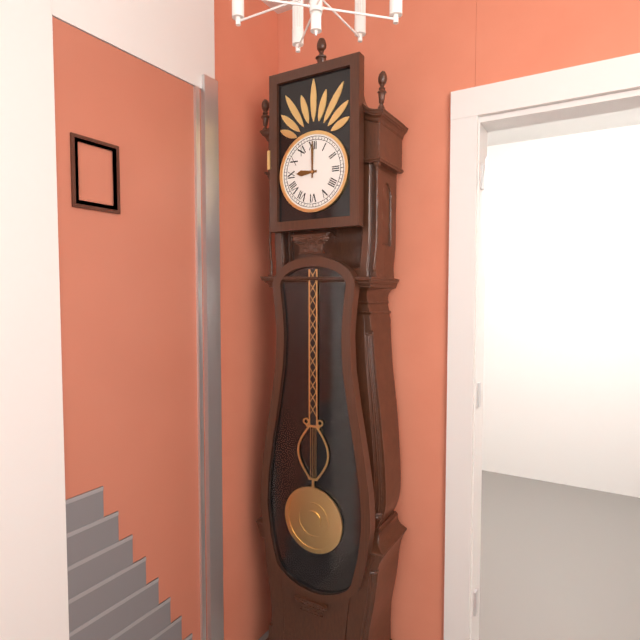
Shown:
9 h 00 min
